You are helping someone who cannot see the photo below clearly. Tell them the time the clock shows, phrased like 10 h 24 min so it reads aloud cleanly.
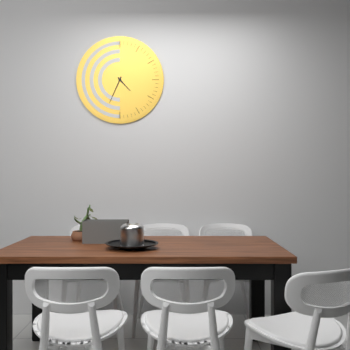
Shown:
4 h 34 min
